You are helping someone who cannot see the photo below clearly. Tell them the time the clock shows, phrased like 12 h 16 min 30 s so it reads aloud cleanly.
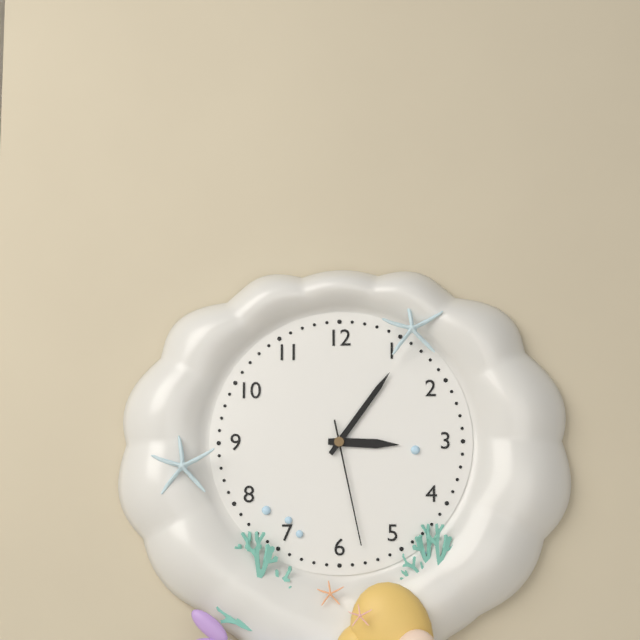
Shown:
3 h 06 min 28 s
